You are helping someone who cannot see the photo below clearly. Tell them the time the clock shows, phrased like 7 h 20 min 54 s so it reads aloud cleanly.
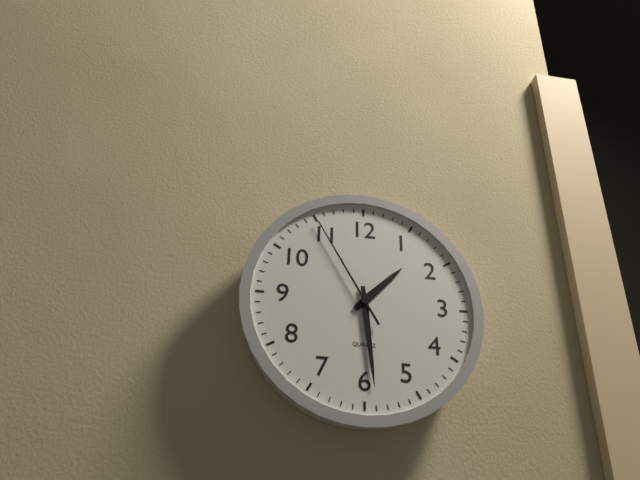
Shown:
1 h 29 min 55 s
